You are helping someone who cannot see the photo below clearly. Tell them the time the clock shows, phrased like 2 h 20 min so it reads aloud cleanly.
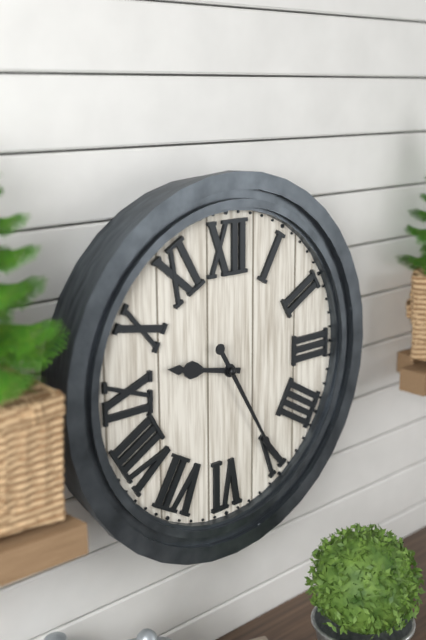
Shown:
9 h 25 min
